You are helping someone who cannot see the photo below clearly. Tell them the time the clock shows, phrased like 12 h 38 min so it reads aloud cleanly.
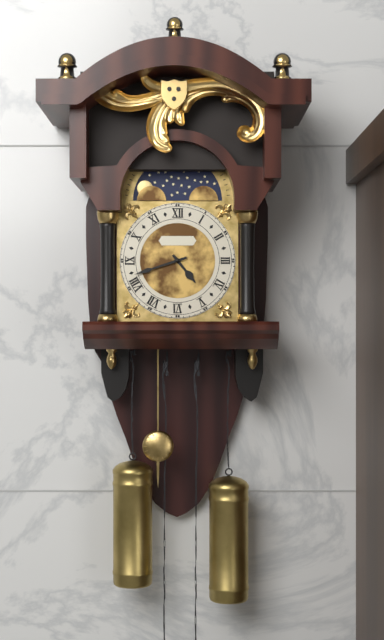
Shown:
4 h 42 min
